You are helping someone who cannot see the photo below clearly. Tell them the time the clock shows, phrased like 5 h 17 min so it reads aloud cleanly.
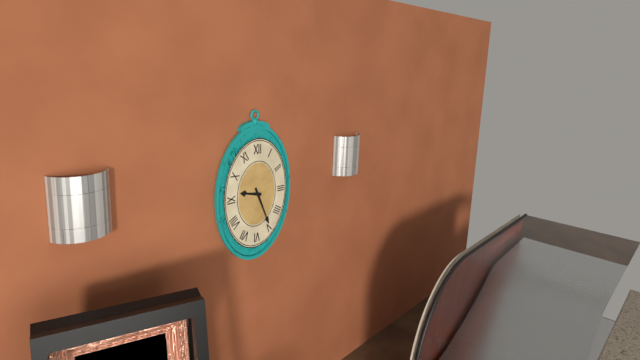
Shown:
9 h 26 min
